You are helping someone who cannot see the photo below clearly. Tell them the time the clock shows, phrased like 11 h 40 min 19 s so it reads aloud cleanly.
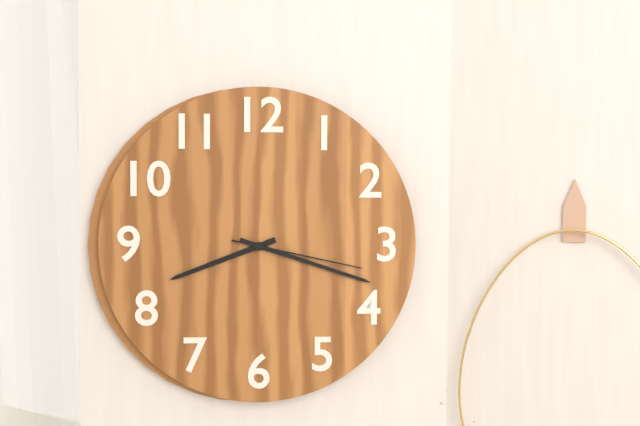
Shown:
8 h 18 min 17 s
